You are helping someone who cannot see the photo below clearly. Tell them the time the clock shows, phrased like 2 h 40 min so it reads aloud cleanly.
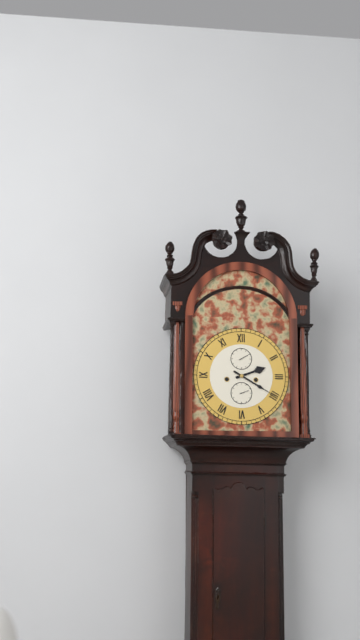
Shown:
2 h 20 min
